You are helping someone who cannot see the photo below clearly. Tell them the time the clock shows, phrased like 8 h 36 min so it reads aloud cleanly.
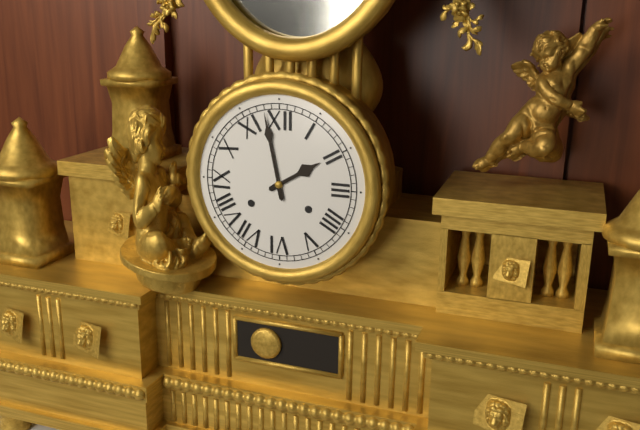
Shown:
1 h 58 min
